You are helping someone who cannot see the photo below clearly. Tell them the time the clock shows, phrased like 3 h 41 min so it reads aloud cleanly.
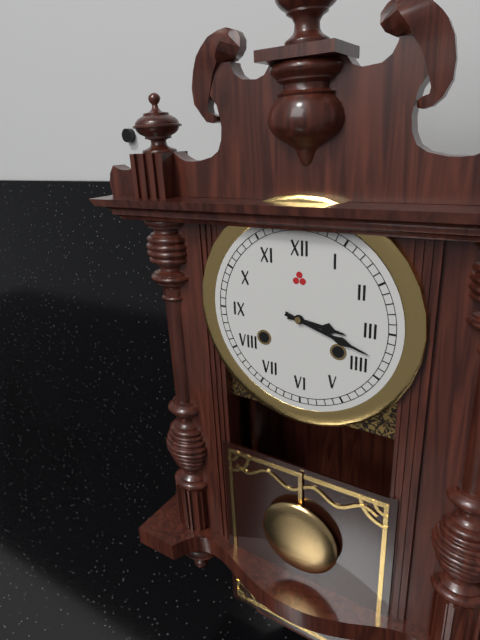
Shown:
3 h 18 min
